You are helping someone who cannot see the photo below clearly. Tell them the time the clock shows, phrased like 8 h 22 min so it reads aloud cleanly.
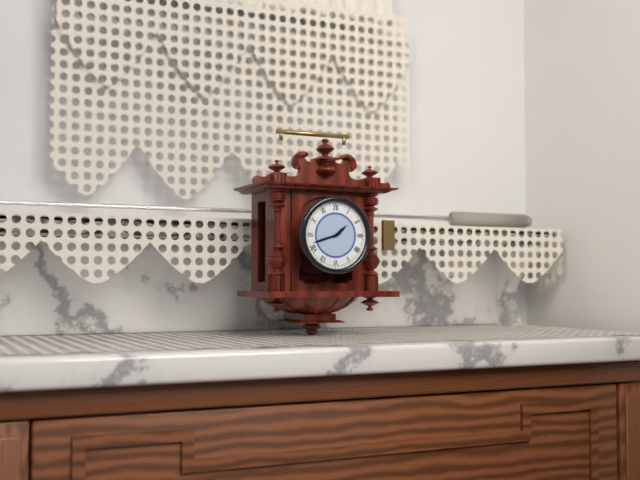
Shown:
1 h 42 min
